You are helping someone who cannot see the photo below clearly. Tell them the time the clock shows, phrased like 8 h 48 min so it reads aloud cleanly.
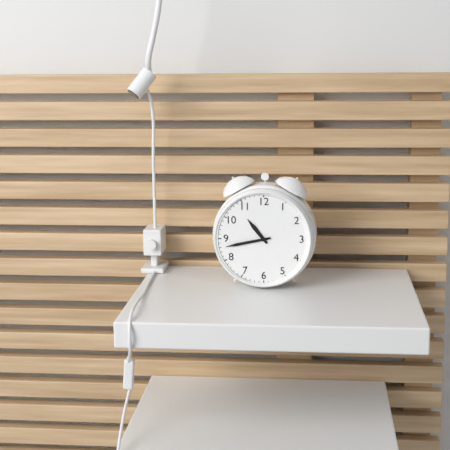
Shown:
10 h 43 min
